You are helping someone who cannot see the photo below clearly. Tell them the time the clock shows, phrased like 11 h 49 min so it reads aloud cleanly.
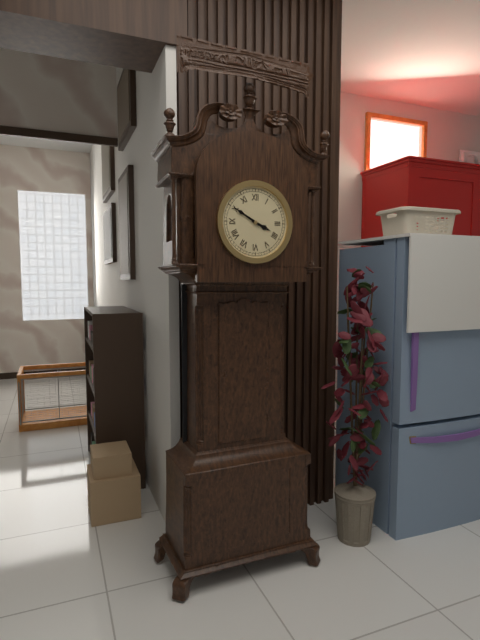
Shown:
3 h 50 min
